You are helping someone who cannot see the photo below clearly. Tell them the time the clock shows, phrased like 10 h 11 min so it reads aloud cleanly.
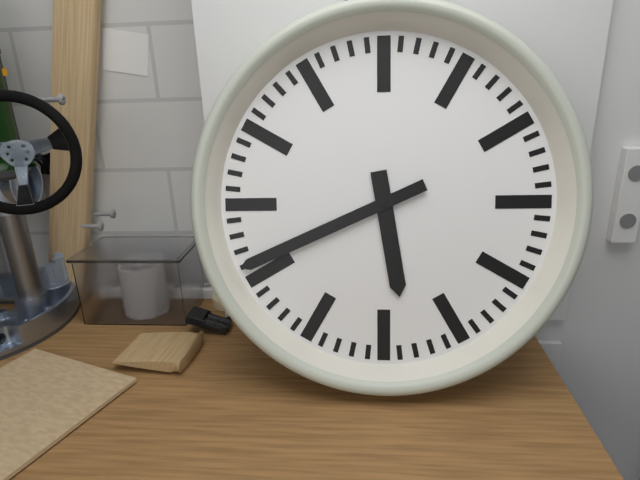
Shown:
5 h 41 min
